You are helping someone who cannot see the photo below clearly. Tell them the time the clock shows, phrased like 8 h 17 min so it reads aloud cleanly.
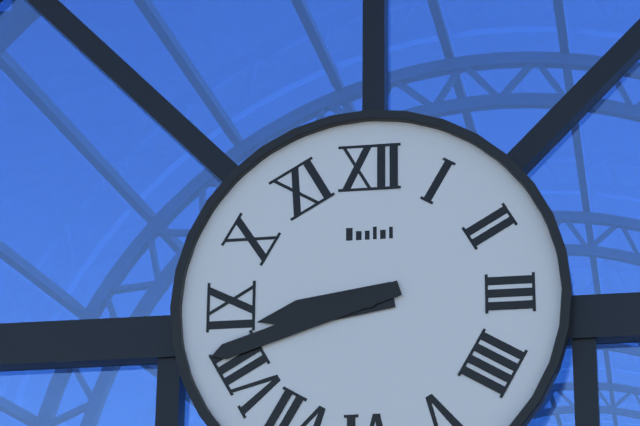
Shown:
8 h 42 min
